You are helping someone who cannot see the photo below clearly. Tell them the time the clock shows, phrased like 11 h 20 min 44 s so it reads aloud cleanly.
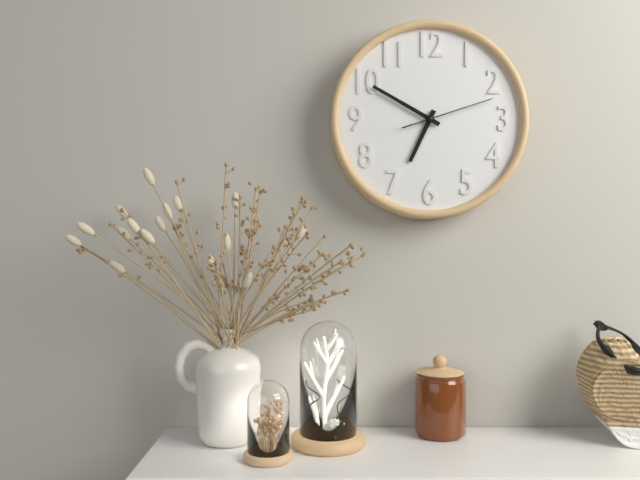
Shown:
6 h 50 min 12 s
